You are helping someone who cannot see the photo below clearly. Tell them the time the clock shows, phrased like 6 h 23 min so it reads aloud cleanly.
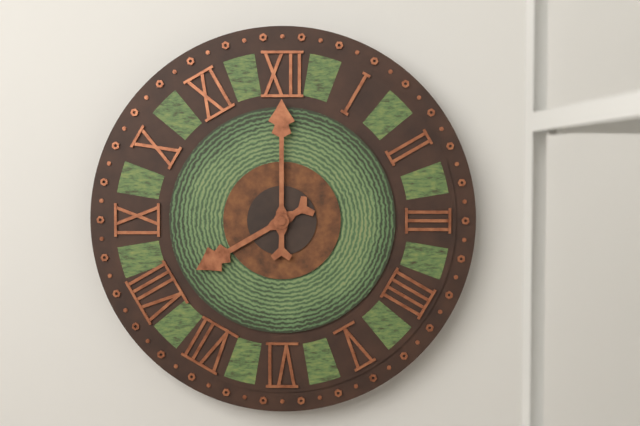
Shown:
8 h 00 min
